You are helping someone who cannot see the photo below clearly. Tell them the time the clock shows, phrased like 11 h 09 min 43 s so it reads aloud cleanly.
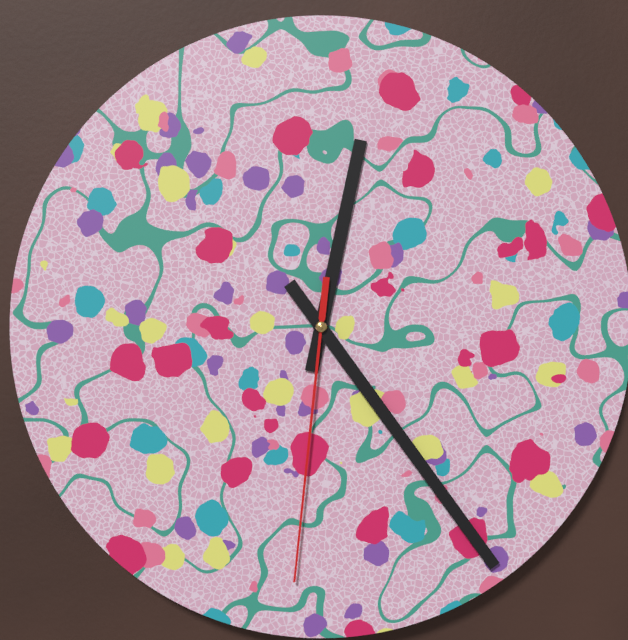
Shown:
12 h 24 min 31 s
